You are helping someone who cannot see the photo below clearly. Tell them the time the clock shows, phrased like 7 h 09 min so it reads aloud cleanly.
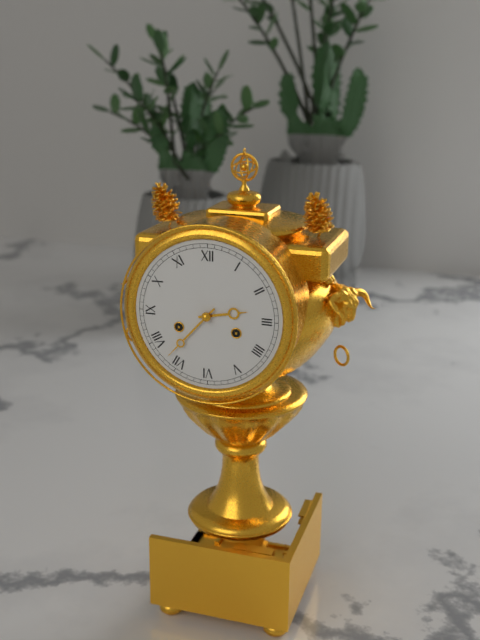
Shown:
2 h 37 min
